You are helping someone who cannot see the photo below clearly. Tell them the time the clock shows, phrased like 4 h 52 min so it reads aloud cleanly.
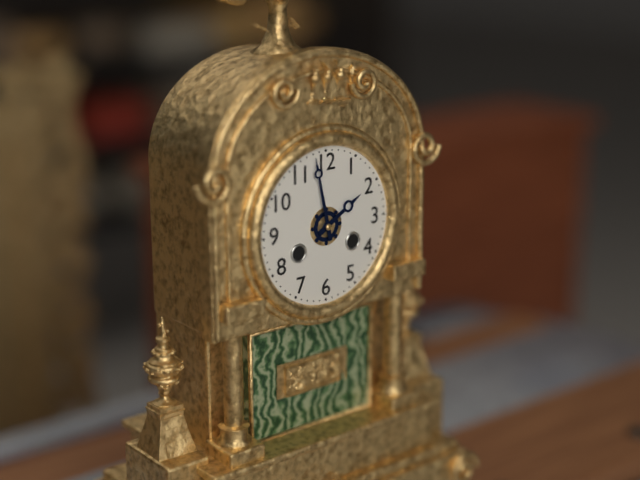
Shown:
1 h 58 min
